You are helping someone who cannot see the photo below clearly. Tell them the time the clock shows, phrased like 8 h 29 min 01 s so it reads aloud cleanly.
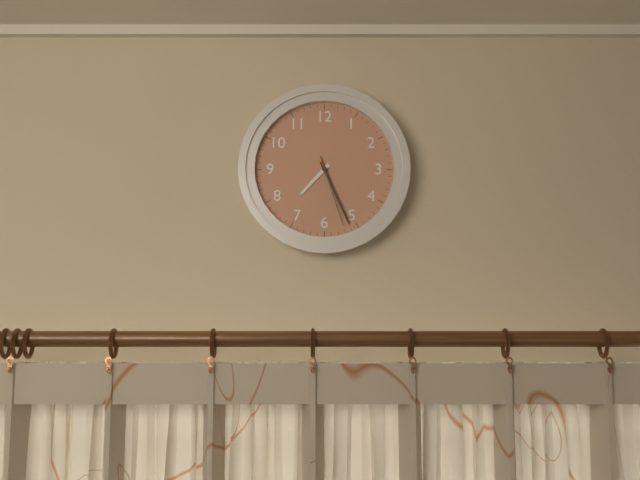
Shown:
7 h 26 min 27 s
